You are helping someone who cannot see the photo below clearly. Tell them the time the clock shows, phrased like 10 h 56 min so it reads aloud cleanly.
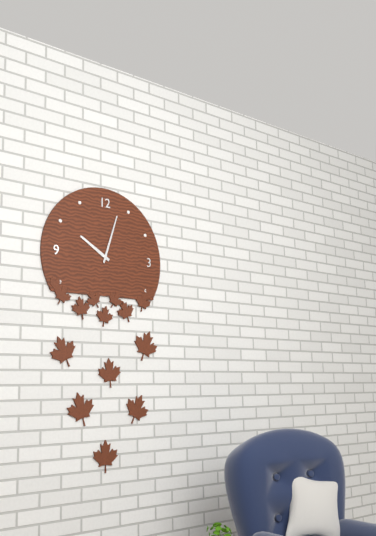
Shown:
10 h 03 min
